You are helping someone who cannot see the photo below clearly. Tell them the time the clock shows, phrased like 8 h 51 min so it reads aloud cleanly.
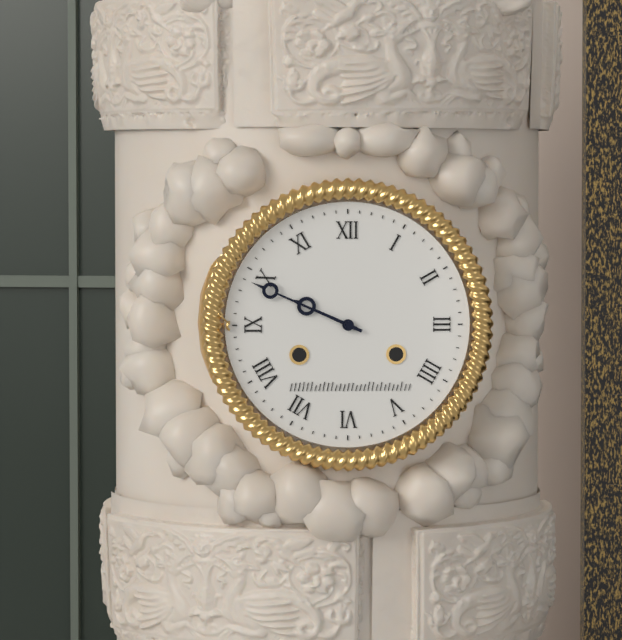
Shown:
9 h 49 min
